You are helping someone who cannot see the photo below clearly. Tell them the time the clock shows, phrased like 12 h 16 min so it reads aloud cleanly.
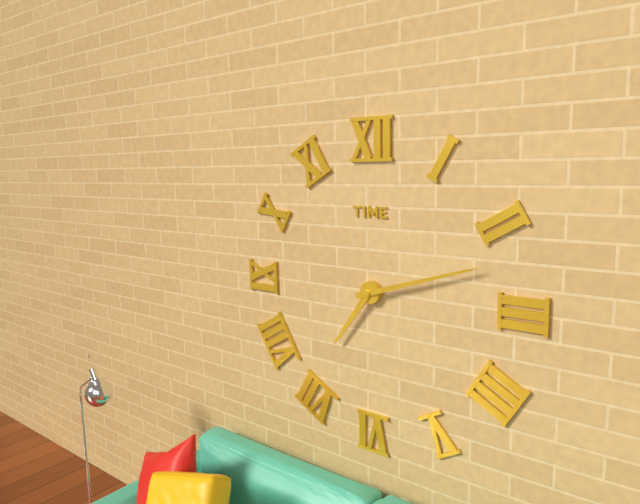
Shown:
7 h 12 min
